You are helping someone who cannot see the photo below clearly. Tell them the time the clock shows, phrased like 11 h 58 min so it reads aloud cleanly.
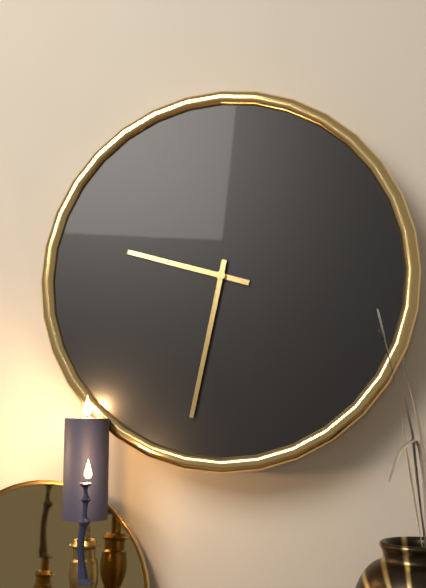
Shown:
9 h 32 min
